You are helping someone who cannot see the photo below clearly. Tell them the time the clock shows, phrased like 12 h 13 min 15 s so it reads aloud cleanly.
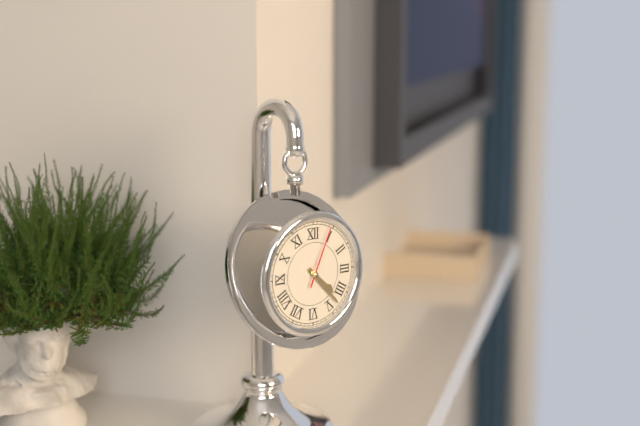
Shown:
4 h 23 min 04 s
